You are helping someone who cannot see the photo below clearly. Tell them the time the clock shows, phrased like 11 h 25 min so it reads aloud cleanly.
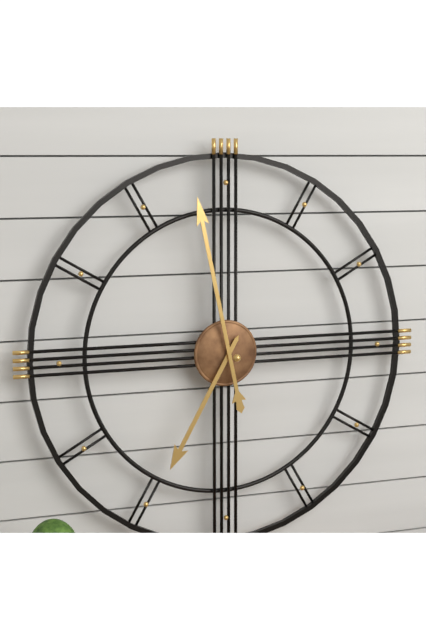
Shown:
6 h 58 min
